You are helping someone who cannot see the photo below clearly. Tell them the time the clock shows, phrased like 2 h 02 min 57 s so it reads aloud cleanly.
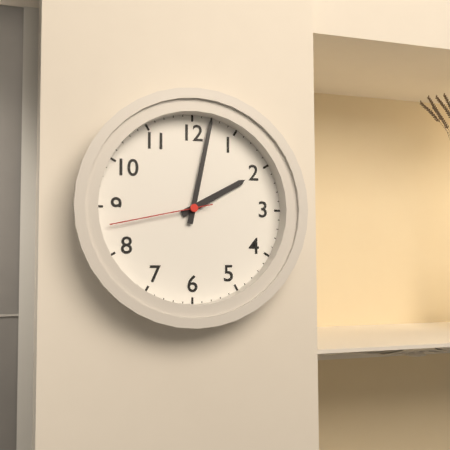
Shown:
2 h 02 min 43 s
